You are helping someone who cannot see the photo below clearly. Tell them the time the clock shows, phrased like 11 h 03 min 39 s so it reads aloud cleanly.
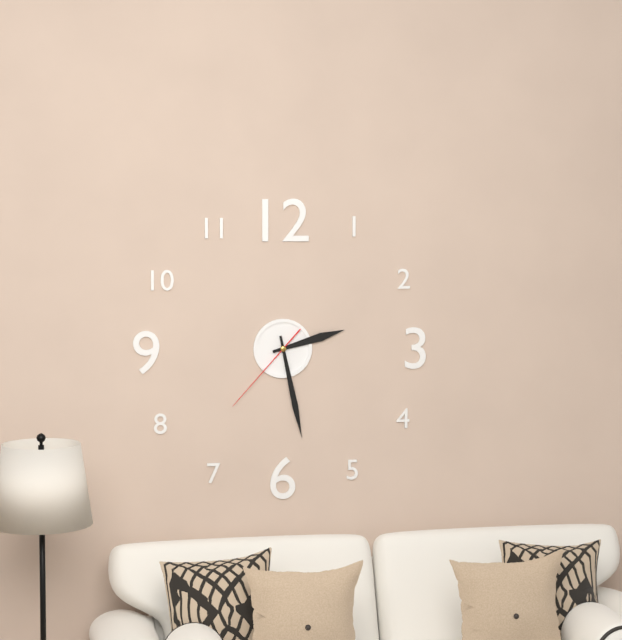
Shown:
2 h 28 min 37 s
